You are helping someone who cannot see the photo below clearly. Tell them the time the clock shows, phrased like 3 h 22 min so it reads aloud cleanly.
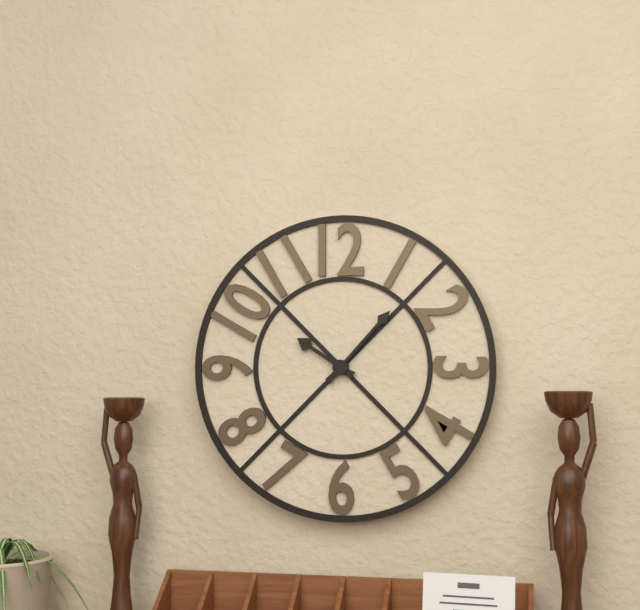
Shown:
10 h 07 min
